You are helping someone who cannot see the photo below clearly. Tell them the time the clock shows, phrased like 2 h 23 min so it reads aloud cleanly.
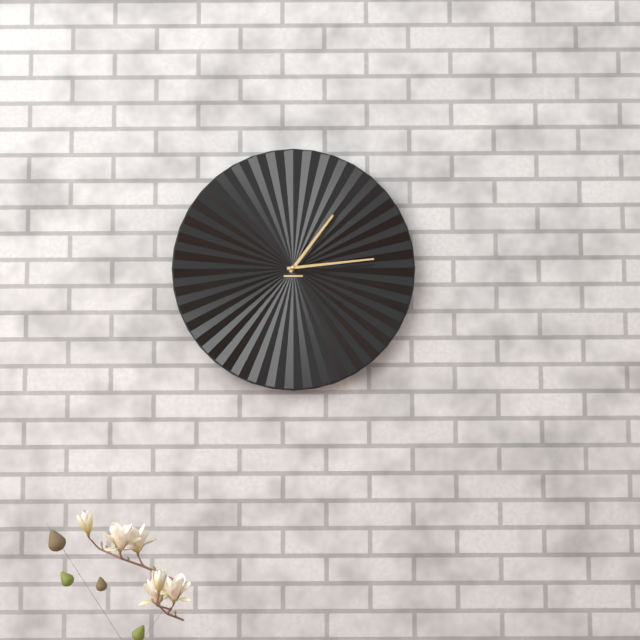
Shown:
1 h 14 min
